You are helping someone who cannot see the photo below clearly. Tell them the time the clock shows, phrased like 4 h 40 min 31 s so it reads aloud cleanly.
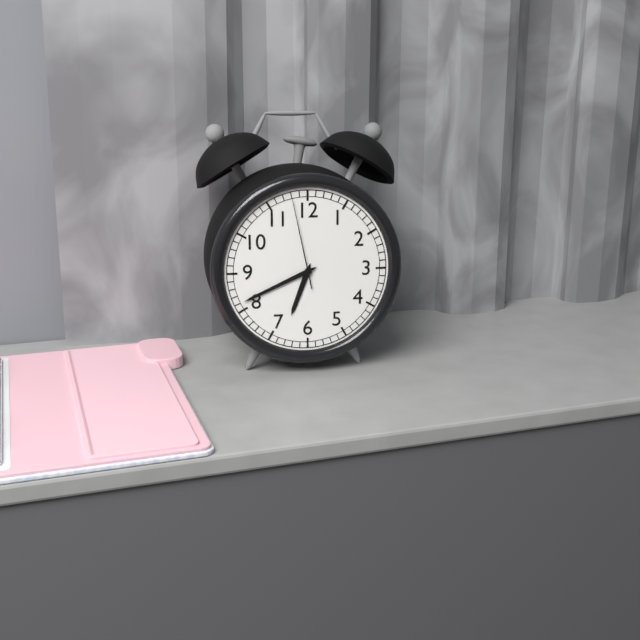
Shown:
6 h 41 min 58 s
